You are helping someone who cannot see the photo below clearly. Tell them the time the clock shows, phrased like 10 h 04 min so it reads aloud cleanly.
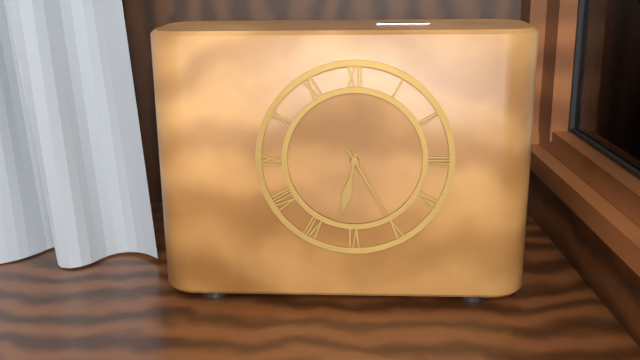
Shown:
6 h 25 min
